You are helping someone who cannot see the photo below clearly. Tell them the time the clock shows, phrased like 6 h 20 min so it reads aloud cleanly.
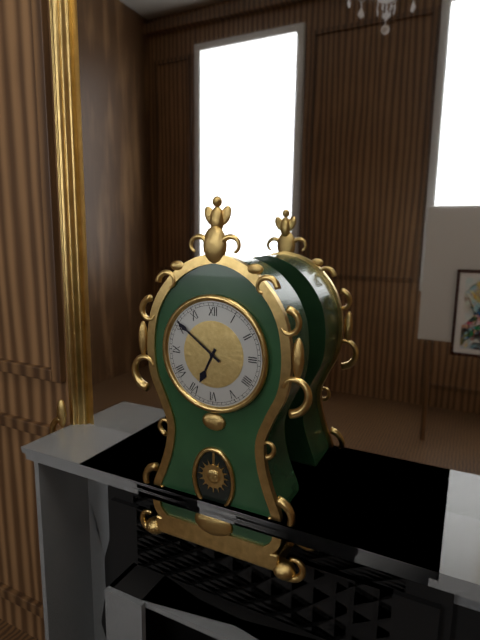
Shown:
6 h 51 min
